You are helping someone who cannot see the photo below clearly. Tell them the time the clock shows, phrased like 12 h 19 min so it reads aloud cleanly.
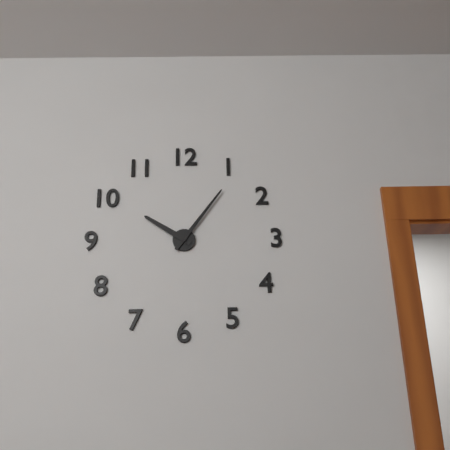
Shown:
10 h 06 min
